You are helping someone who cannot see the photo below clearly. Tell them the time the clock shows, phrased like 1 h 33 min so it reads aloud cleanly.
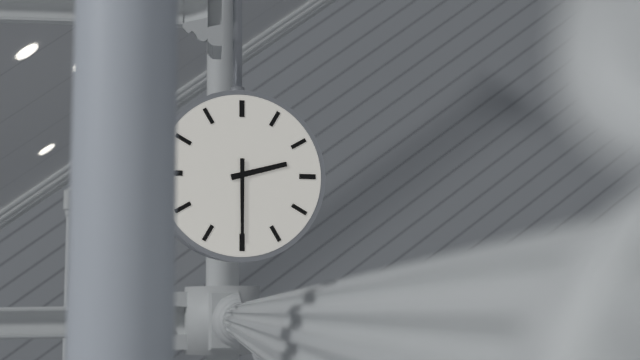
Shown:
2 h 30 min
